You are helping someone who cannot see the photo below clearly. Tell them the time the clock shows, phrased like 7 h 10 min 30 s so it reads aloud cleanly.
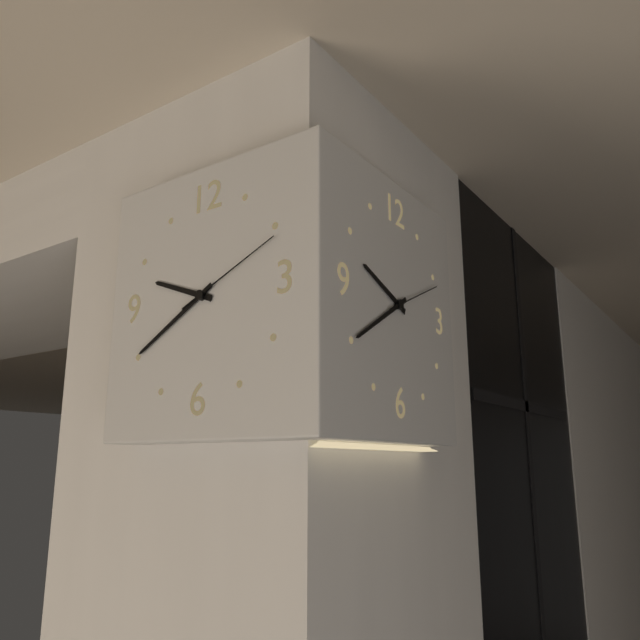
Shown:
9 h 40 min 11 s
